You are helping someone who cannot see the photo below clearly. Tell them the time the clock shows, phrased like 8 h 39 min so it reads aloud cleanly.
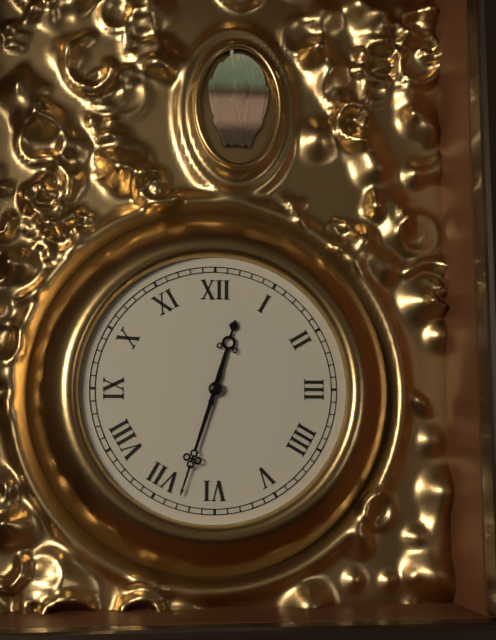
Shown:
12 h 33 min
